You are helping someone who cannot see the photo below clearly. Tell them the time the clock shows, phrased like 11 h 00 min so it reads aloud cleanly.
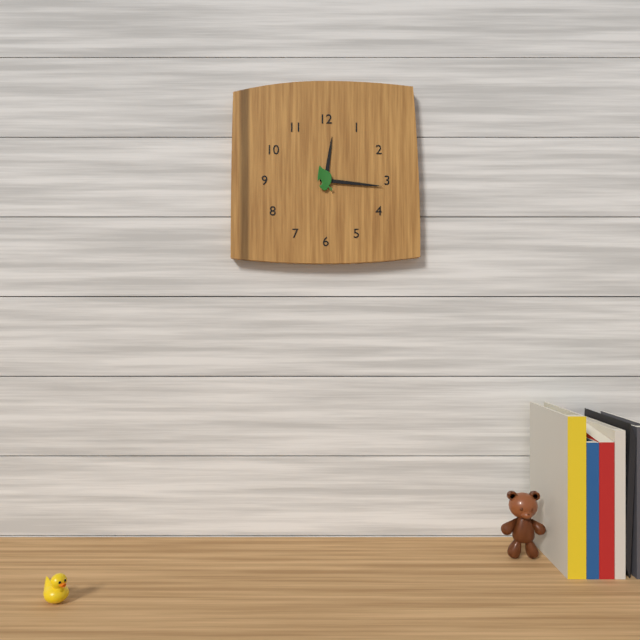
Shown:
12 h 16 min
